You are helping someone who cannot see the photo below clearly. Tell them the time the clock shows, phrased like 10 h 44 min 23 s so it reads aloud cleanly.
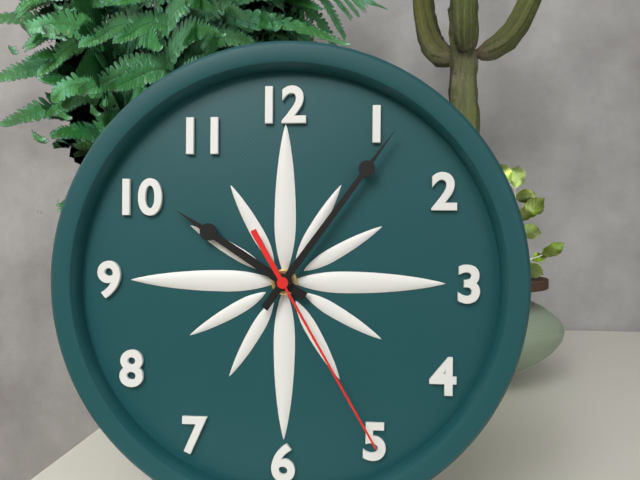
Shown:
10 h 06 min 25 s
